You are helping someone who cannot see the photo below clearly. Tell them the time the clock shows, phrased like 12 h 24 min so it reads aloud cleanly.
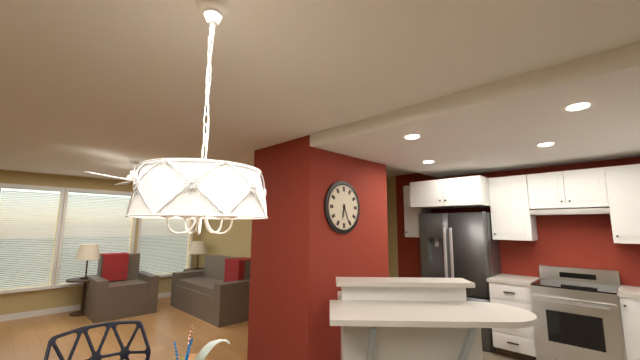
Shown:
6 h 26 min
